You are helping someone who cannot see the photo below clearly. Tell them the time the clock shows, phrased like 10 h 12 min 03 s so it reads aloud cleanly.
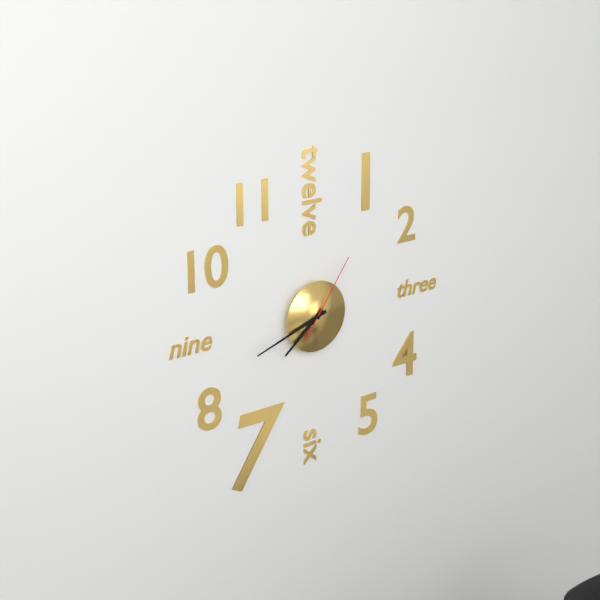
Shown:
7 h 42 min 06 s
